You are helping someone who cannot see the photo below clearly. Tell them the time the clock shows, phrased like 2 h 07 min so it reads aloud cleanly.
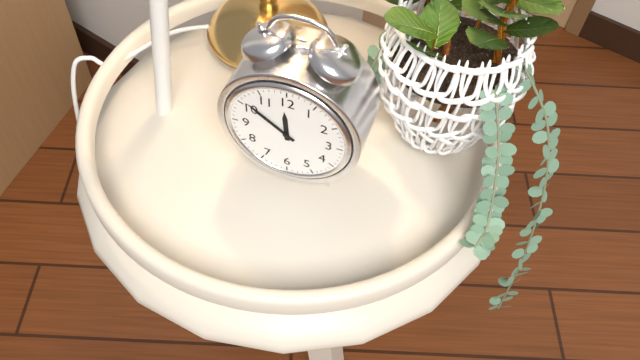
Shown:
11 h 51 min
